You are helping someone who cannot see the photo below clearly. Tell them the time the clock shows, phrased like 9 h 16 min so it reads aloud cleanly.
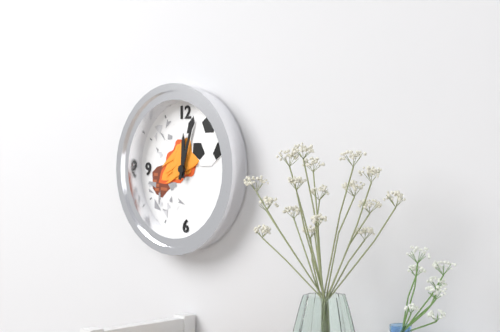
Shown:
12 h 03 min
